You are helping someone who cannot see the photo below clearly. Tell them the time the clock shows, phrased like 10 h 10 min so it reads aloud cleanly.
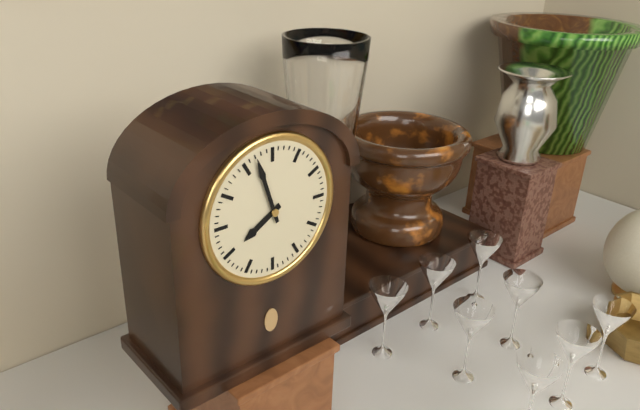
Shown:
7 h 57 min
